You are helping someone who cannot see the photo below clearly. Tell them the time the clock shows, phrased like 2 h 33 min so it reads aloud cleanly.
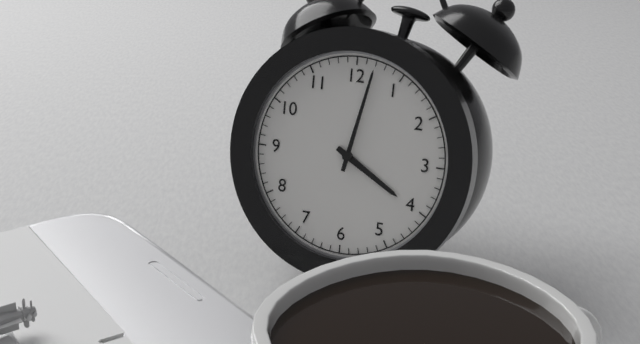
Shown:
4 h 02 min
